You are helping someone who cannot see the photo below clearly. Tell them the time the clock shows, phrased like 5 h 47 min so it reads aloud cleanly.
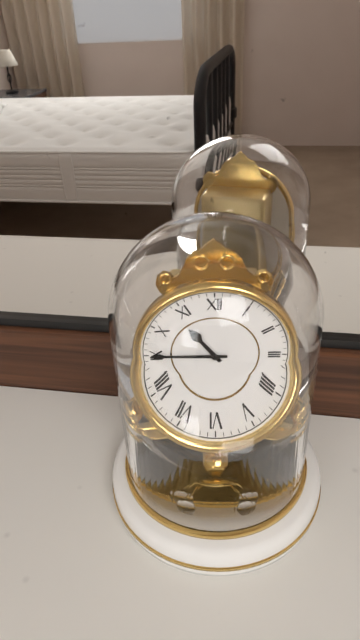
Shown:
10 h 45 min
